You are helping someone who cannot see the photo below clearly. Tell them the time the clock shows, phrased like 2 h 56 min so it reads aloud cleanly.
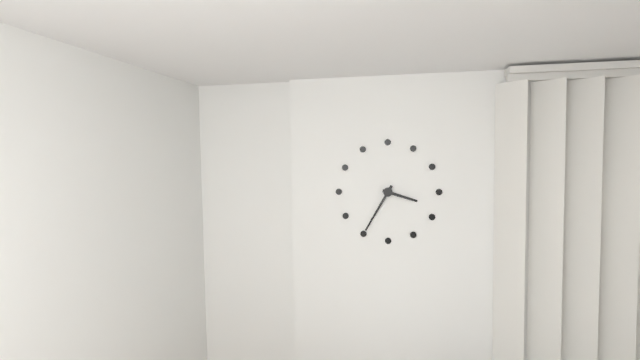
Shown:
3 h 35 min
